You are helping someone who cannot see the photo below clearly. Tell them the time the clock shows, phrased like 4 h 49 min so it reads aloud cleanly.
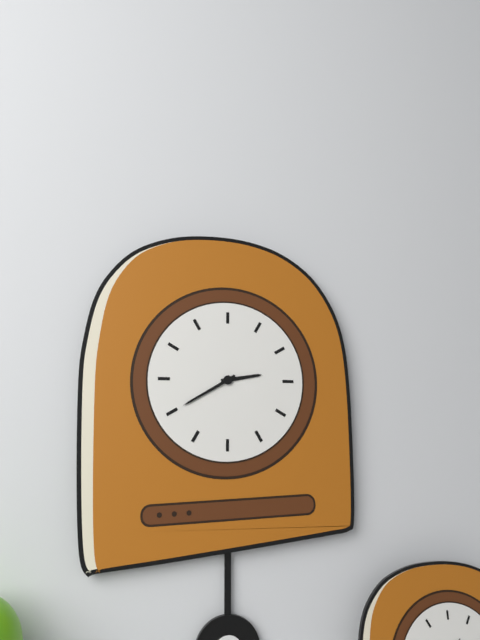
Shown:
2 h 40 min
